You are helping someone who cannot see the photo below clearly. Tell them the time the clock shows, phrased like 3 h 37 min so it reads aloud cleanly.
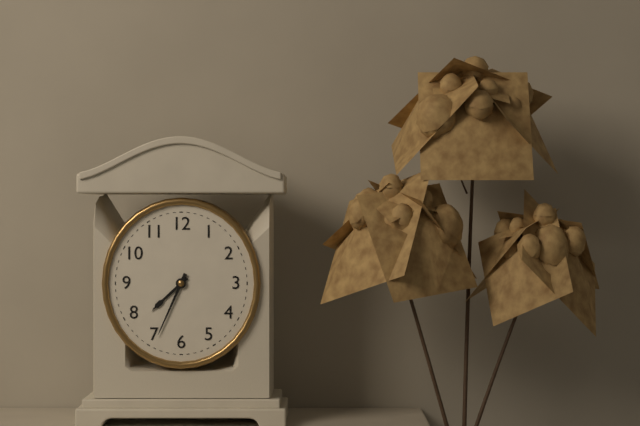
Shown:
7 h 34 min
